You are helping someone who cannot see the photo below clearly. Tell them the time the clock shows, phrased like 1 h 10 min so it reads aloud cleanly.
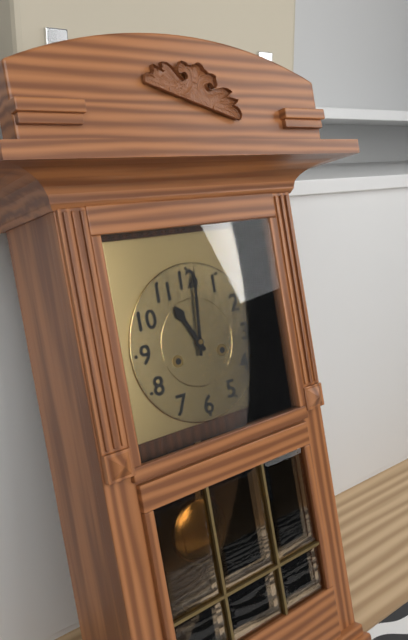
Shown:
11 h 01 min
